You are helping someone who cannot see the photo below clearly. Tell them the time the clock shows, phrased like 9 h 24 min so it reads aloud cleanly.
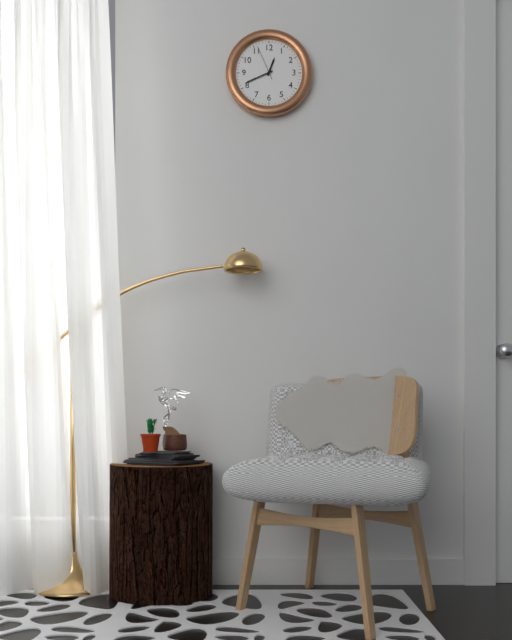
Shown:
12 h 41 min
